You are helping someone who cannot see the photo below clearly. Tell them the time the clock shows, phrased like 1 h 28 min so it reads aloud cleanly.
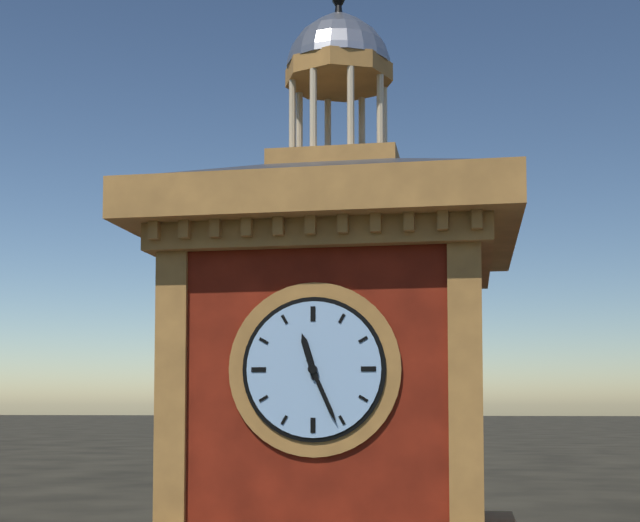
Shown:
11 h 26 min
